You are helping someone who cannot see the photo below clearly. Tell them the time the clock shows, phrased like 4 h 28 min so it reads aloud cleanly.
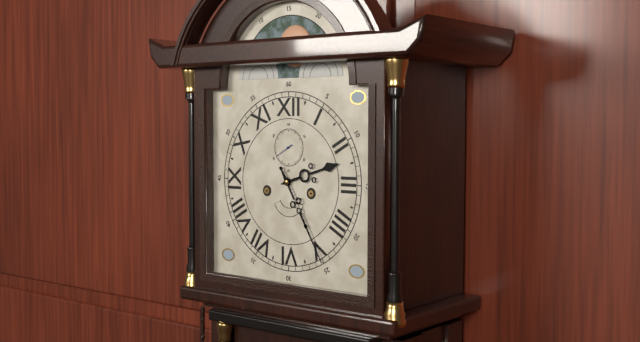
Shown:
2 h 25 min
